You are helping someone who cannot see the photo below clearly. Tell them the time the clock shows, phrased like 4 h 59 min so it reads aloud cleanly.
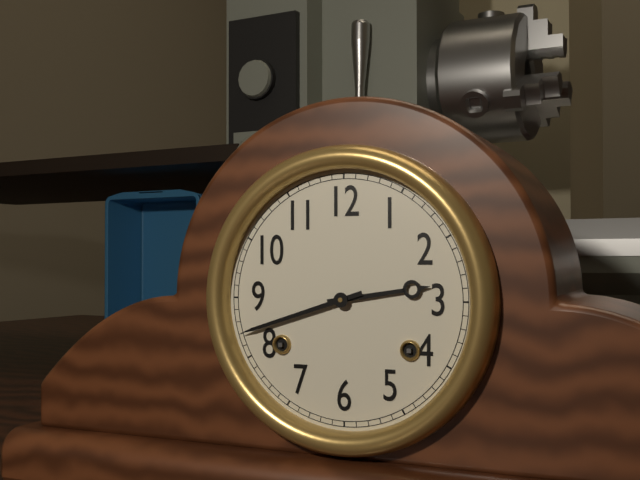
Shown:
2 h 42 min
